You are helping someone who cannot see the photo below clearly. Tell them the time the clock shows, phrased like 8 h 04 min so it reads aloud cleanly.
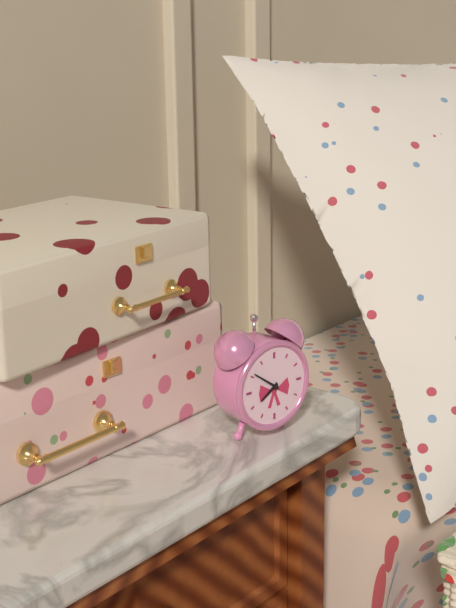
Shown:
7 h 51 min
